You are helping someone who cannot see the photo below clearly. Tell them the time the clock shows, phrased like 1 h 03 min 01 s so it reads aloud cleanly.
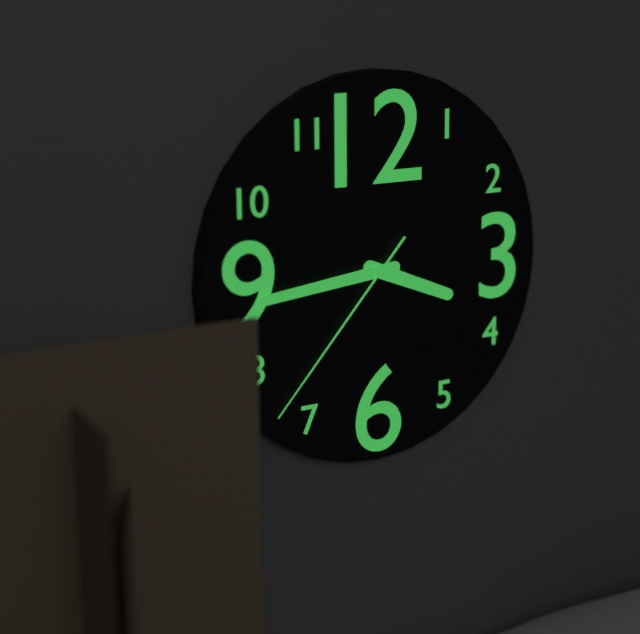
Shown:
3 h 44 min 37 s
